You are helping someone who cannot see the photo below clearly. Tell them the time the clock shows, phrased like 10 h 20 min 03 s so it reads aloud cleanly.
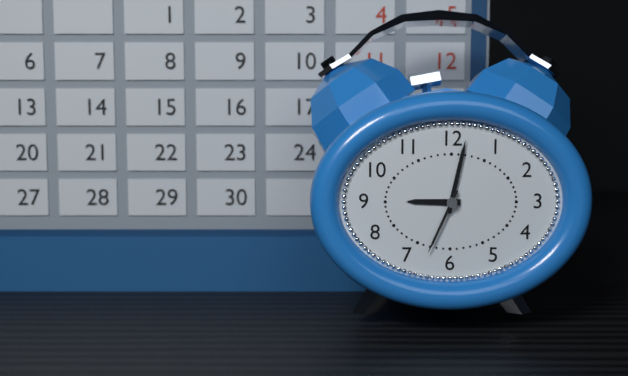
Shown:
9 h 02 min 34 s
